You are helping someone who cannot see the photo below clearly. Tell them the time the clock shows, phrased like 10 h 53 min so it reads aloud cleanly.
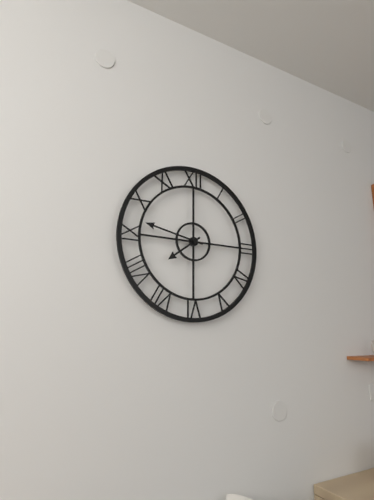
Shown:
7 h 47 min
